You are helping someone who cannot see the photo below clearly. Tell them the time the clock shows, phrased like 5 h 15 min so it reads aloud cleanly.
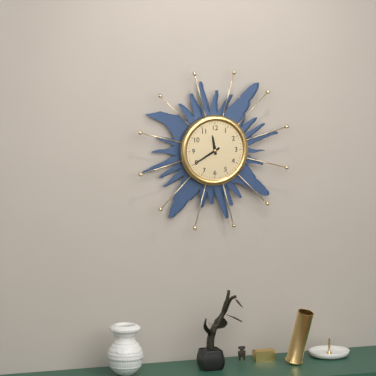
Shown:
11 h 40 min
